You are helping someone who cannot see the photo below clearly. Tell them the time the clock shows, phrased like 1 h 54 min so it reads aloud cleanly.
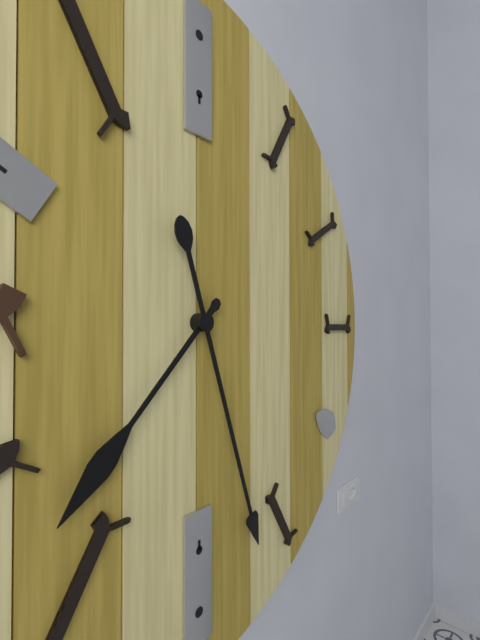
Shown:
7 h 27 min
